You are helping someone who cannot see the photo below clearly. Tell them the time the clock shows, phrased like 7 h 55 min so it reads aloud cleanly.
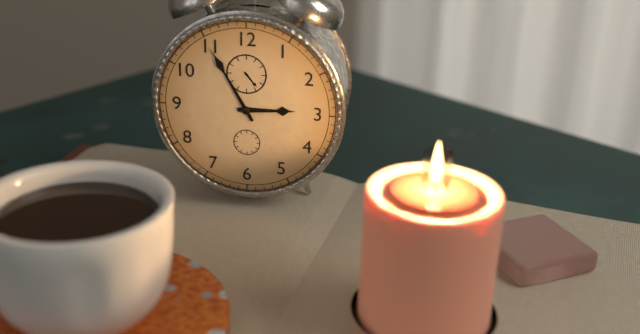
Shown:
2 h 55 min
